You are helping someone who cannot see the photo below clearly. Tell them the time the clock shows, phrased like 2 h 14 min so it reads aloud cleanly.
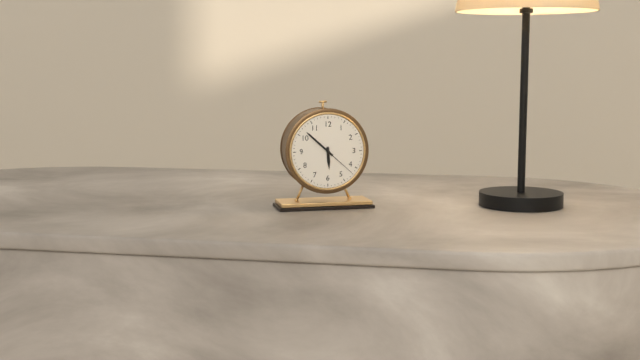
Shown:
5 h 52 min
